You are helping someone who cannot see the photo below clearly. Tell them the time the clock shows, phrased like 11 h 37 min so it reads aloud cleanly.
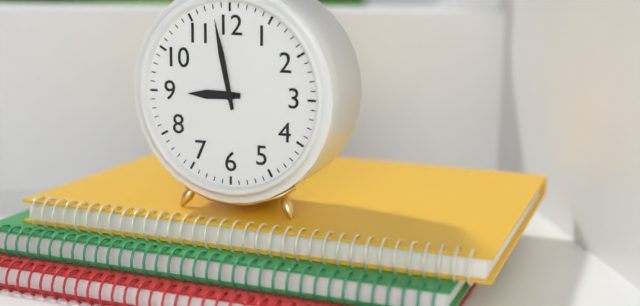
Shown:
8 h 58 min
